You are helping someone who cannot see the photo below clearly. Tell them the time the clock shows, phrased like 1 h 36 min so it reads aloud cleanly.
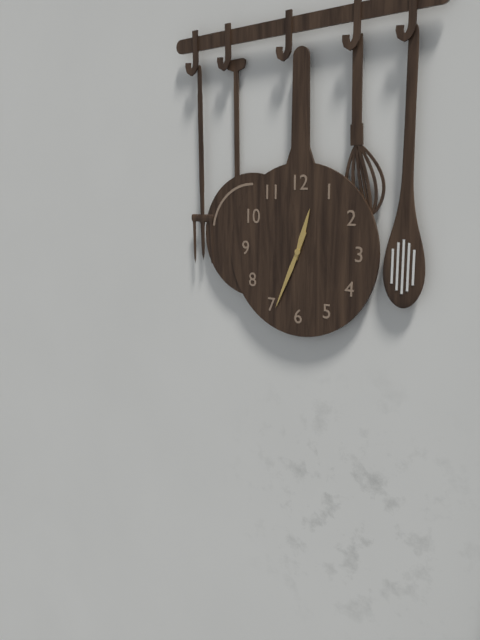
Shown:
12 h 34 min
